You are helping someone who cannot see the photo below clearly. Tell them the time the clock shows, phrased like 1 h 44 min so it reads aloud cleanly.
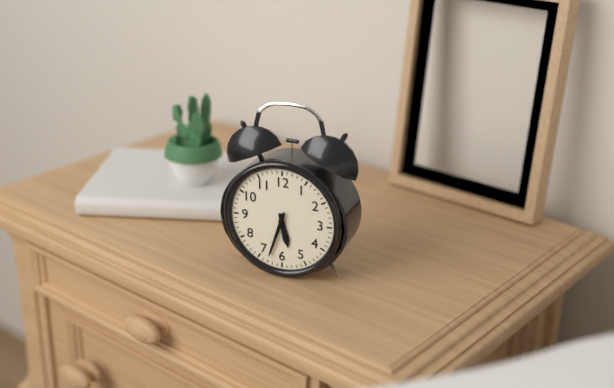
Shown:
5 h 33 min
